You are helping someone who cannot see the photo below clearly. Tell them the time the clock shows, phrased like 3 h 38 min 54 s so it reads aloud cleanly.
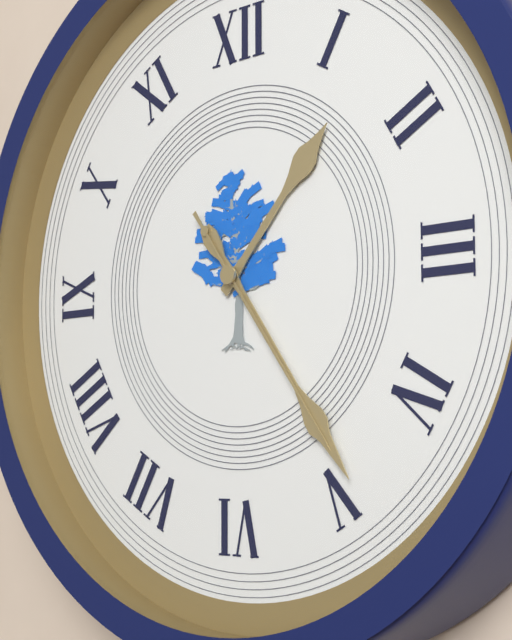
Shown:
1 h 24 min 24 s
